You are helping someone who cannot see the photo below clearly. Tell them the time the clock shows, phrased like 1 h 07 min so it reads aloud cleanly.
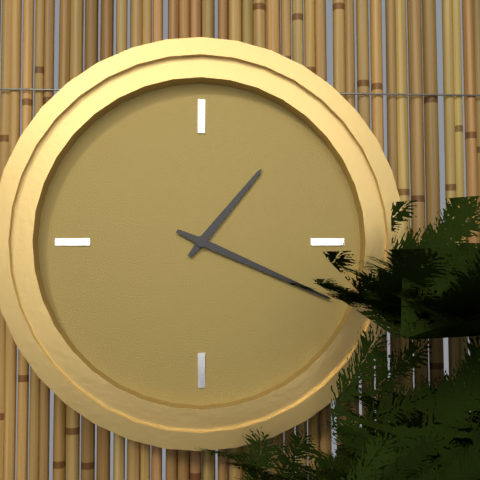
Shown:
1 h 19 min
